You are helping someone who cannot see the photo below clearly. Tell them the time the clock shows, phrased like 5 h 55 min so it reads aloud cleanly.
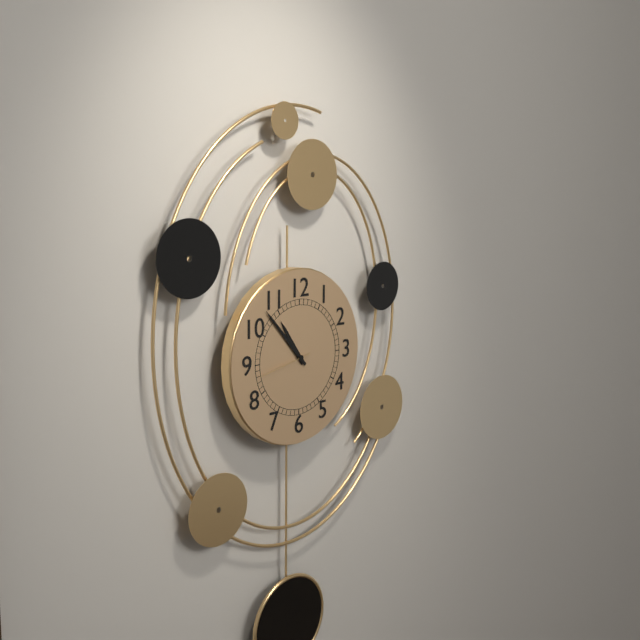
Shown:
10 h 53 min
